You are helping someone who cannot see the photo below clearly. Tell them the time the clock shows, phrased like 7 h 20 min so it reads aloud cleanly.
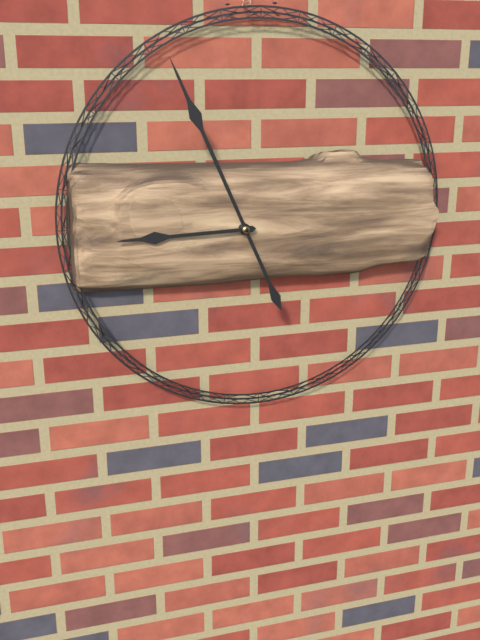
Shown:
8 h 56 min
